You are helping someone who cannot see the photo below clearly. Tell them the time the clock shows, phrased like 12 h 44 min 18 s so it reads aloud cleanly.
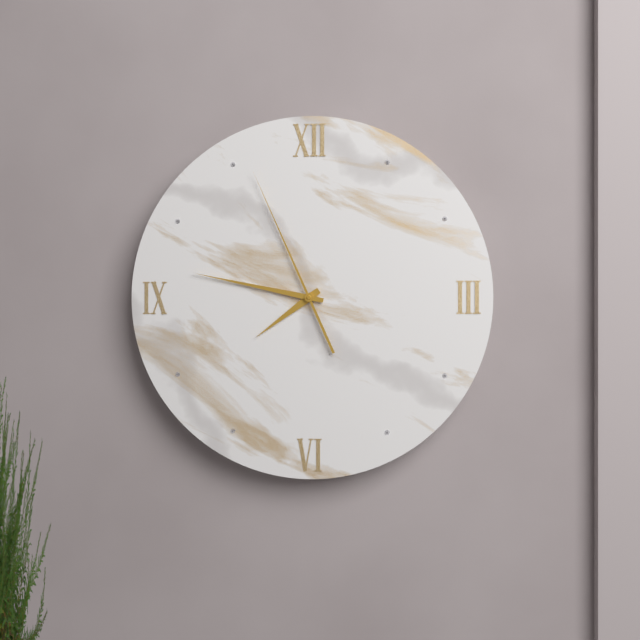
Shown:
7 h 47 min 56 s
